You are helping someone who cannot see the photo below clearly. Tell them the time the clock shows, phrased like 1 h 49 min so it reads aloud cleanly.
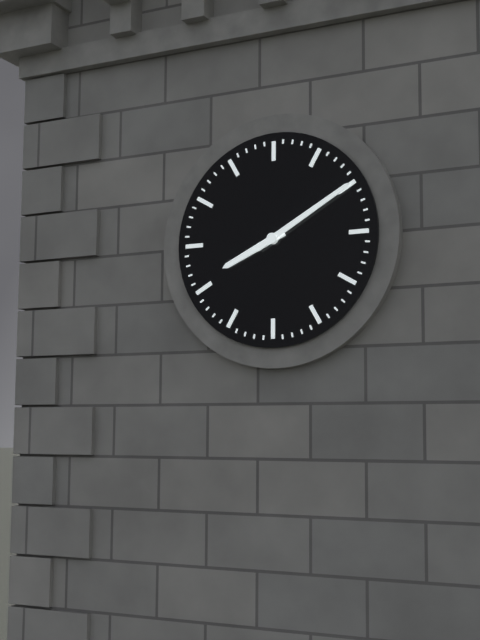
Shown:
8 h 10 min
